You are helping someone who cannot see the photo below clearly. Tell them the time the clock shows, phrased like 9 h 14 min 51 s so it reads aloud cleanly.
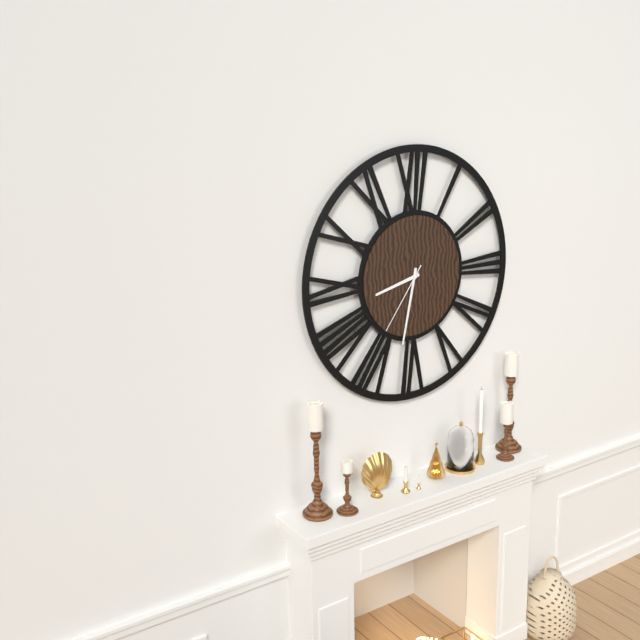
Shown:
8 h 32 min 36 s
